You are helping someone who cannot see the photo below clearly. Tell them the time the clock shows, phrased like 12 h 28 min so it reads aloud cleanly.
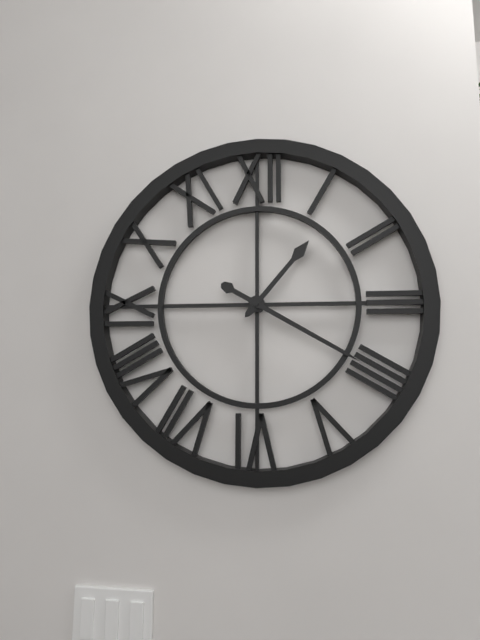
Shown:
1 h 20 min
